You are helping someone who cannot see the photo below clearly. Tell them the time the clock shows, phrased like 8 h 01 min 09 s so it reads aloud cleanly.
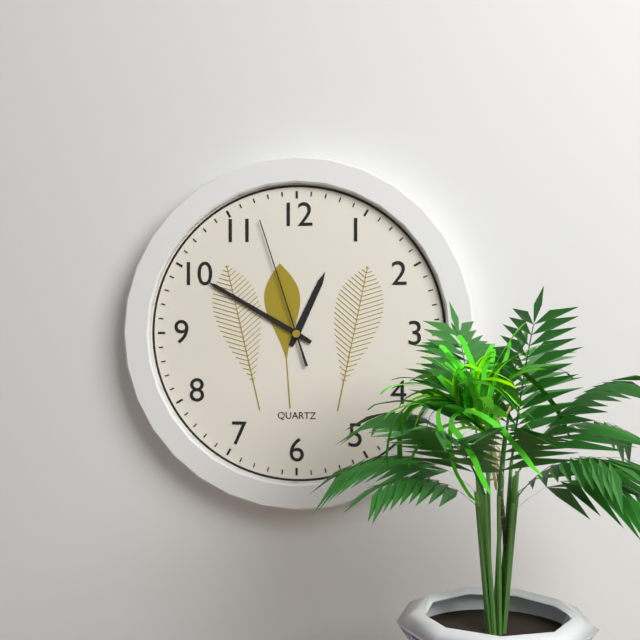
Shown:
12 h 50 min 57 s
